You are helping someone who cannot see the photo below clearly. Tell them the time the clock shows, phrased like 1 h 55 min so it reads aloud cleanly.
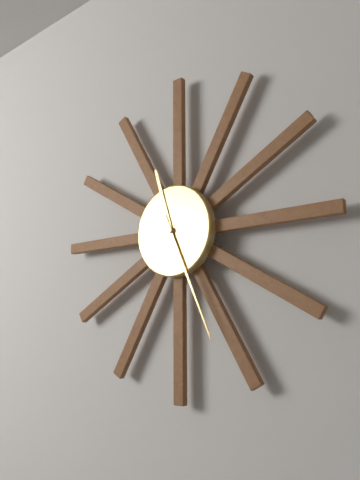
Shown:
11 h 26 min
